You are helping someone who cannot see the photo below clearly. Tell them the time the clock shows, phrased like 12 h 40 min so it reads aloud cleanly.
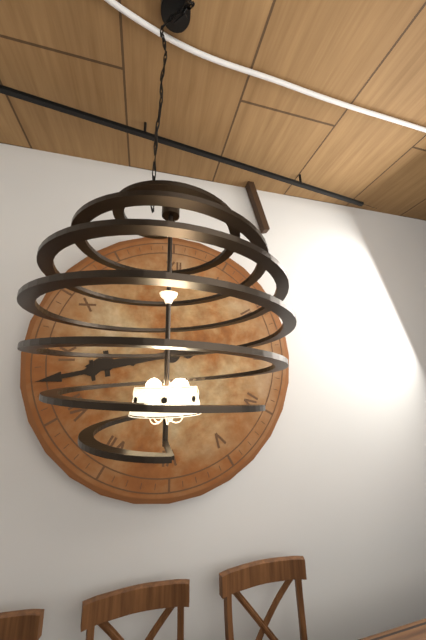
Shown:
8 h 43 min
